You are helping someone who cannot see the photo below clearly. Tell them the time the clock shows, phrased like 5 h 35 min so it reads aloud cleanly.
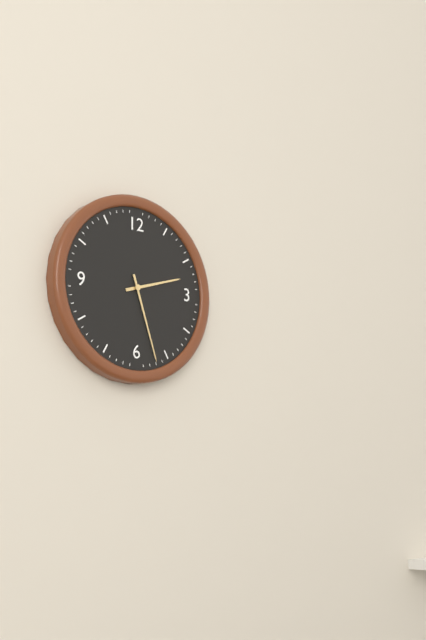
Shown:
2 h 27 min
